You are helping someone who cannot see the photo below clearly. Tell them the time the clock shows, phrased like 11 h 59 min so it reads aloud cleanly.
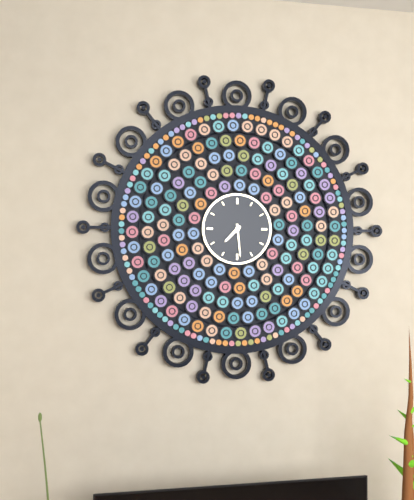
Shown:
7 h 29 min
